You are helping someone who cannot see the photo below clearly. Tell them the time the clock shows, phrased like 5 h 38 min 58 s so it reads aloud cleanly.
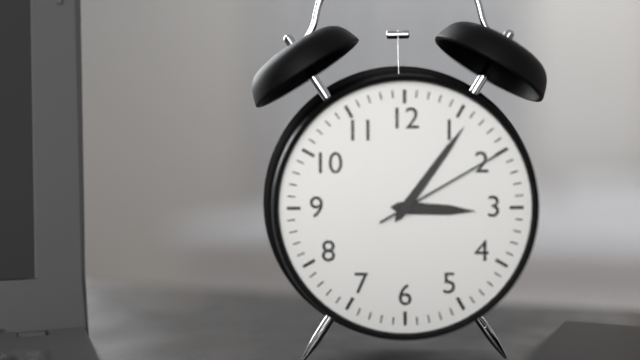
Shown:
3 h 06 min 10 s
